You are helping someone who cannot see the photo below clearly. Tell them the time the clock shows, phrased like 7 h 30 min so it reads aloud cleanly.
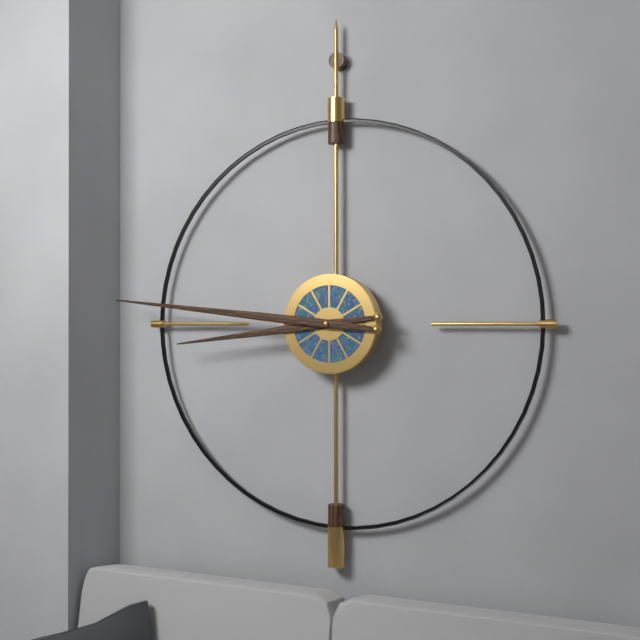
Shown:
8 h 46 min
